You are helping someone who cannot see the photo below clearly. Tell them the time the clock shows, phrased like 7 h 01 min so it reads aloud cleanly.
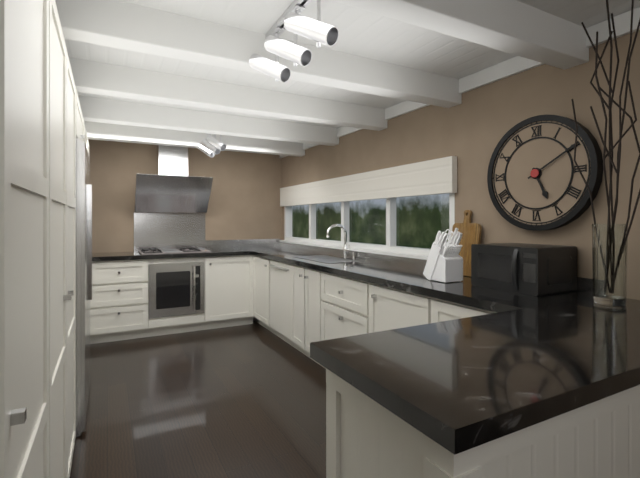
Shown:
5 h 10 min
